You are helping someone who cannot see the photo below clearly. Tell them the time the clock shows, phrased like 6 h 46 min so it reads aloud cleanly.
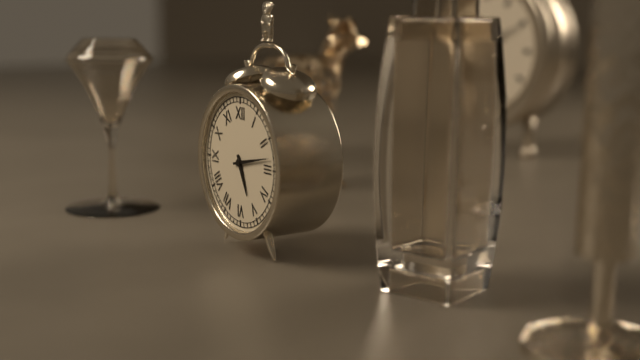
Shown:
5 h 13 min
